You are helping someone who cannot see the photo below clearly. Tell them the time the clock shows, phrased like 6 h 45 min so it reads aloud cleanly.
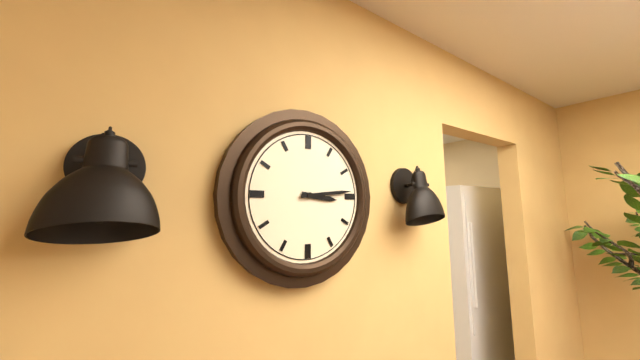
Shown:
3 h 14 min
